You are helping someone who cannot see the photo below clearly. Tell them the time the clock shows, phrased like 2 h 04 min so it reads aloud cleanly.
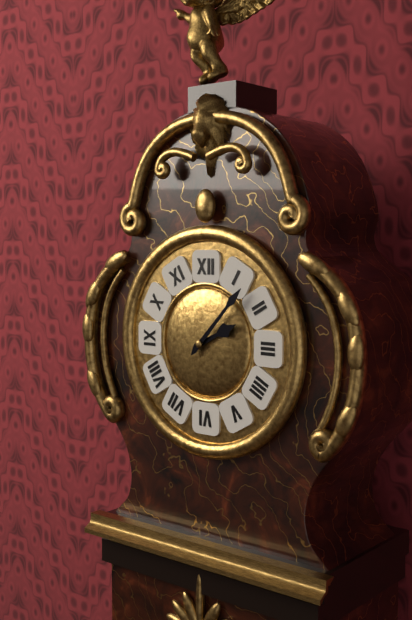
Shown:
2 h 07 min
